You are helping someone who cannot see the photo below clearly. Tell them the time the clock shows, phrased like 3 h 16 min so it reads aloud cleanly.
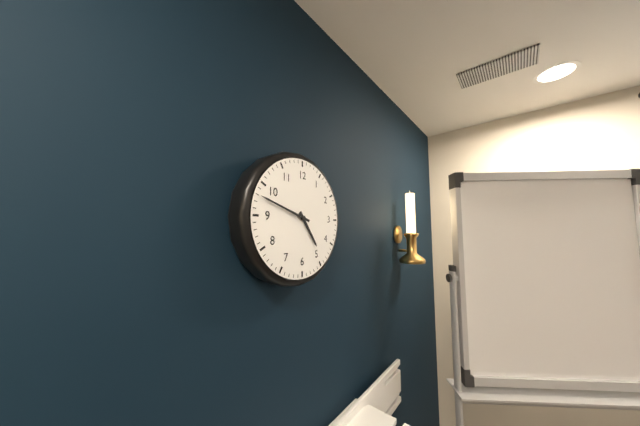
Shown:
4 h 48 min
